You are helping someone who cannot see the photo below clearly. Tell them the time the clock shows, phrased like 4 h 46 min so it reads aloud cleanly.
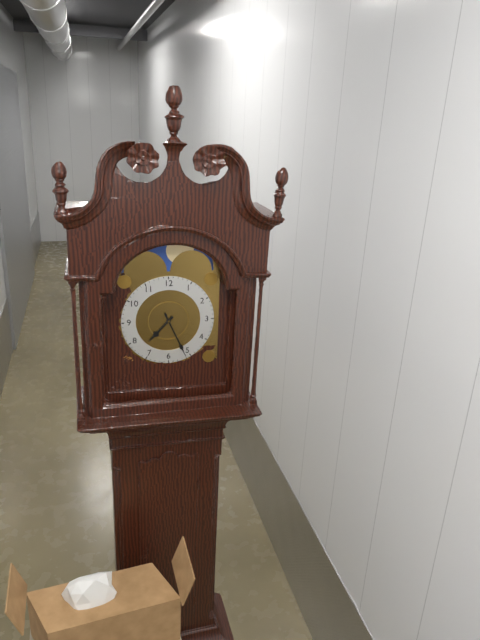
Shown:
7 h 26 min
